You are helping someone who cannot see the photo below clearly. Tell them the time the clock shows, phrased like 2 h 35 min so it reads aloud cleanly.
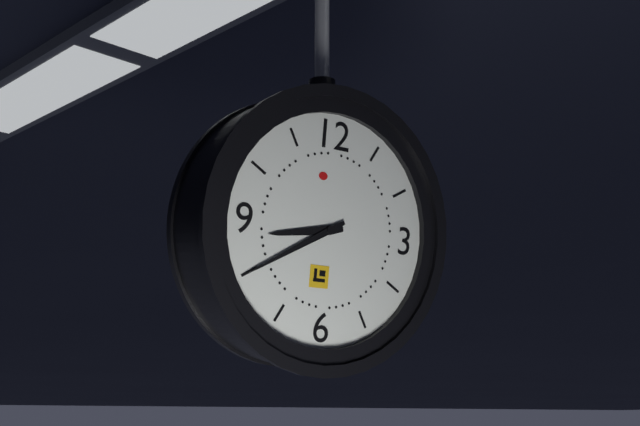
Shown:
8 h 40 min
